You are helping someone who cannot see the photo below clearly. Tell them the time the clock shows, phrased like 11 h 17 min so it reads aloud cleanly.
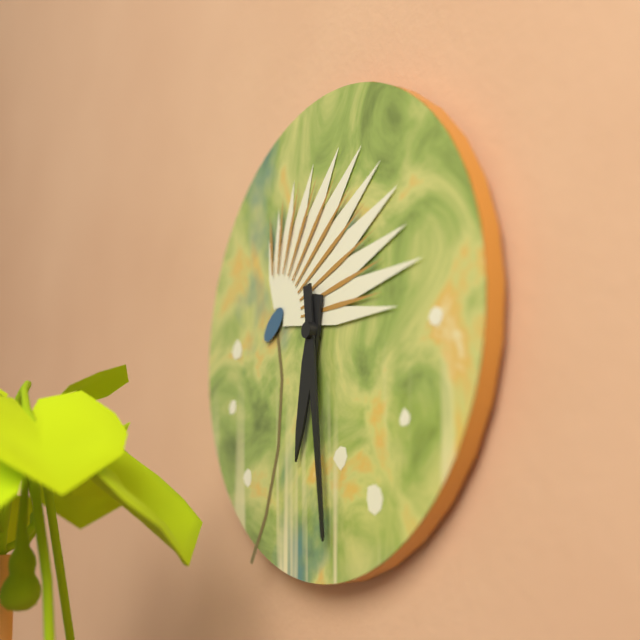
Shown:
6 h 29 min
